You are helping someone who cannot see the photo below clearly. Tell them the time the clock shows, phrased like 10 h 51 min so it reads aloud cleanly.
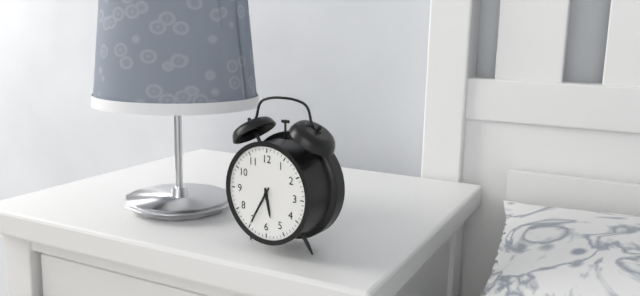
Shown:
5 h 35 min
